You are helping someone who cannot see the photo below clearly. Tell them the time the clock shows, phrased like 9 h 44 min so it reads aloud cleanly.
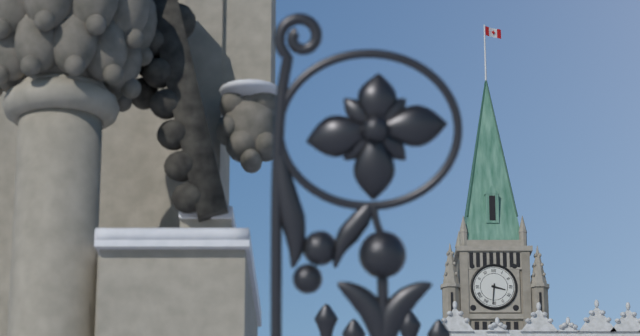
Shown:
3 h 31 min
